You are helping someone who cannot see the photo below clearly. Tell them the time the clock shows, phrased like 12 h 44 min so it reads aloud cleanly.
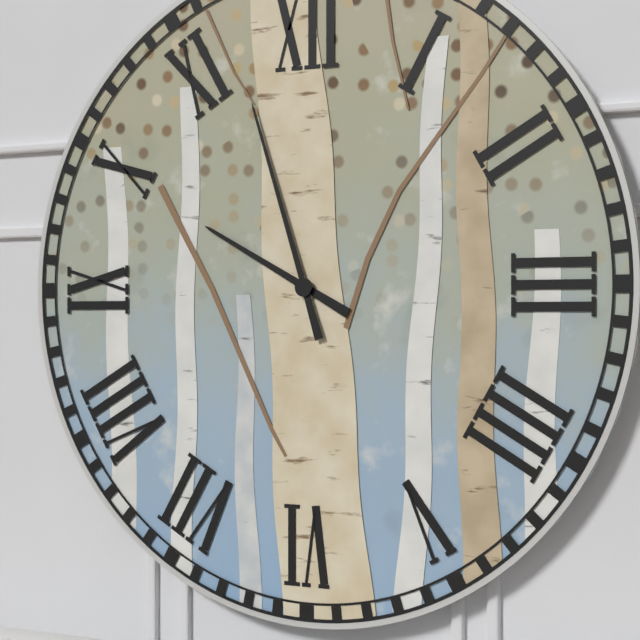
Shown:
9 h 57 min
